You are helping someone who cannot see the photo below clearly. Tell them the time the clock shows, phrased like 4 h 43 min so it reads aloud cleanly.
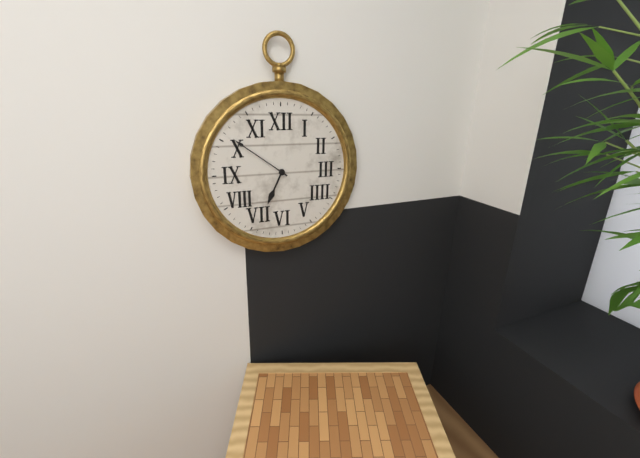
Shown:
6 h 51 min
